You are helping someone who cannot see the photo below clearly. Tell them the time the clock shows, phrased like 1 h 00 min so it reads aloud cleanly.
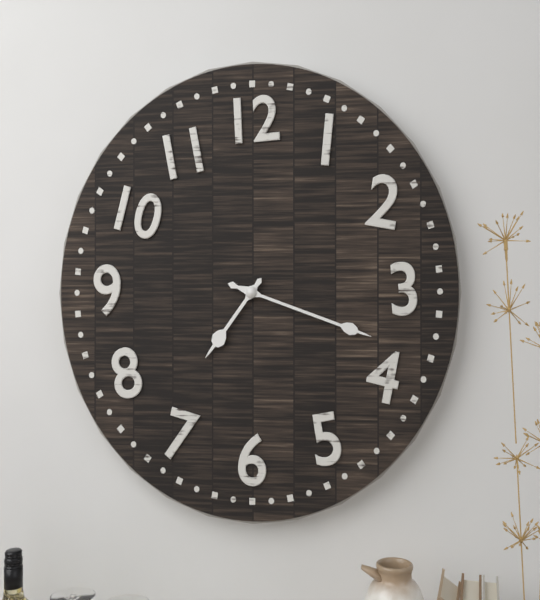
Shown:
7 h 18 min
